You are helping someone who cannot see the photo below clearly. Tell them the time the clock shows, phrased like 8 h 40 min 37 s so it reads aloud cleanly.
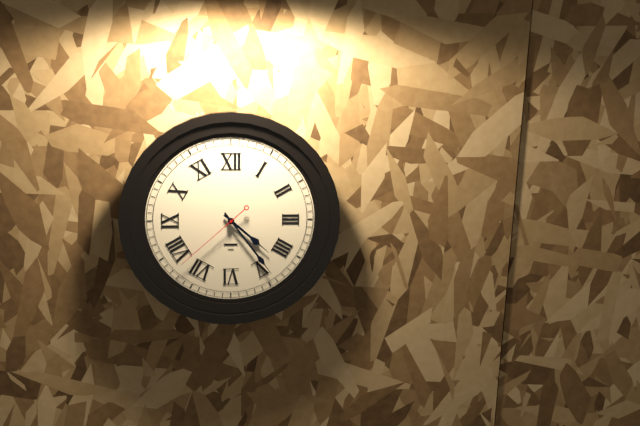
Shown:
4 h 24 min 38 s
